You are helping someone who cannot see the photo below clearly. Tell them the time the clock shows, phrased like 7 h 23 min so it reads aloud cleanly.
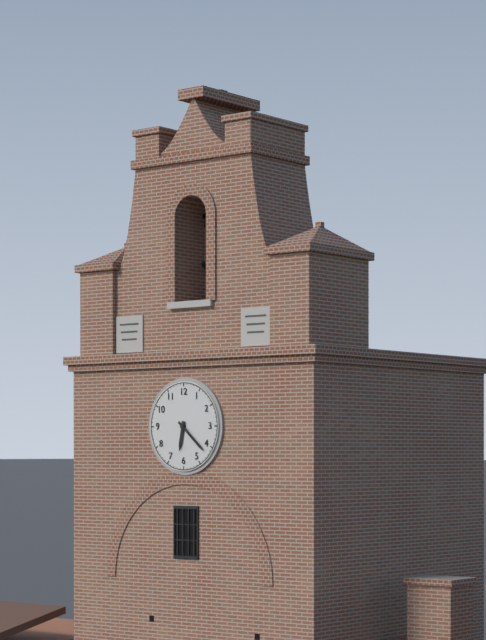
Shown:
6 h 22 min
